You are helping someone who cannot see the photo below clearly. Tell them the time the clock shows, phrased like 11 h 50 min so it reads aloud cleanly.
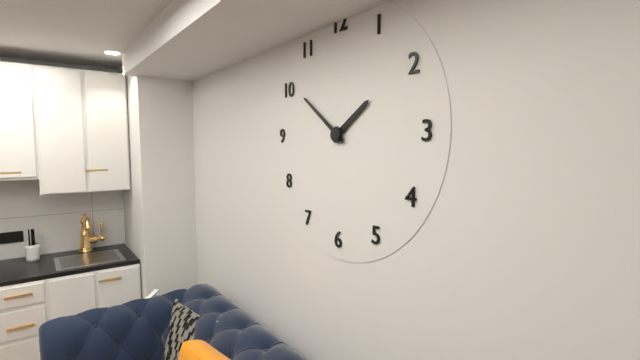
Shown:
1 h 51 min
